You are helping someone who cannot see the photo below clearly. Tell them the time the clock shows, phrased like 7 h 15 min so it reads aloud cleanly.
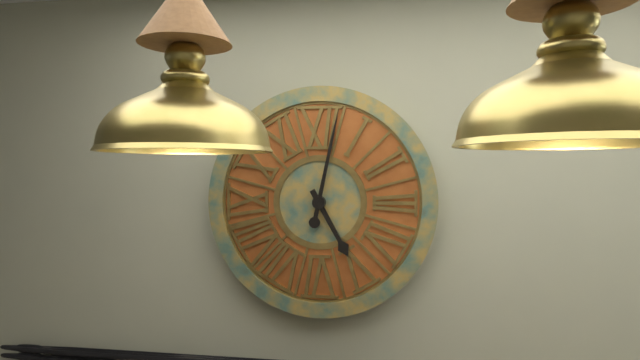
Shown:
5 h 02 min
